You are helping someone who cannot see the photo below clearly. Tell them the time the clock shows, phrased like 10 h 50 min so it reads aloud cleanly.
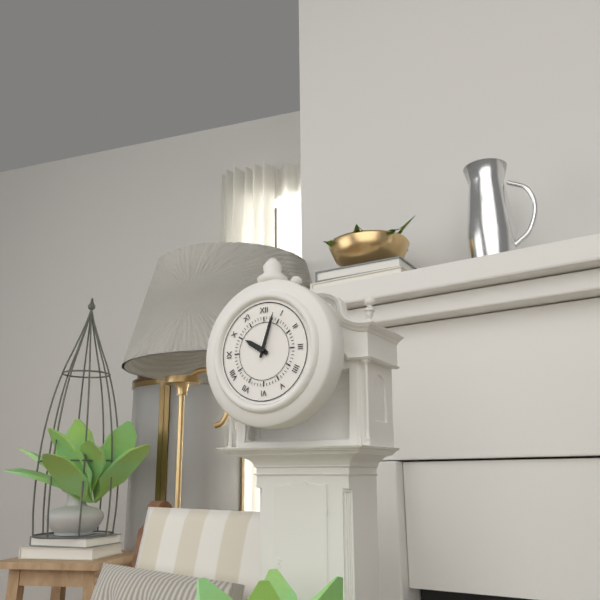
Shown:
10 h 03 min
